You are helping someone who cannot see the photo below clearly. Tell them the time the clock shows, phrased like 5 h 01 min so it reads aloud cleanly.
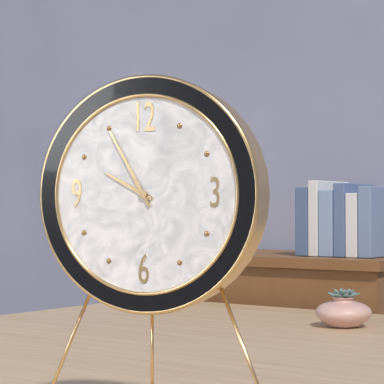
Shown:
9 h 55 min
